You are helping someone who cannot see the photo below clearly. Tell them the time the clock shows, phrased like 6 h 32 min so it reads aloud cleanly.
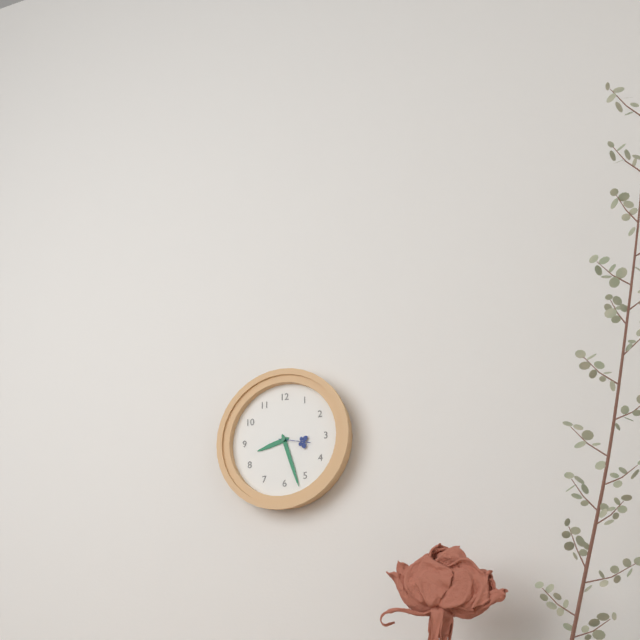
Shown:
8 h 27 min
